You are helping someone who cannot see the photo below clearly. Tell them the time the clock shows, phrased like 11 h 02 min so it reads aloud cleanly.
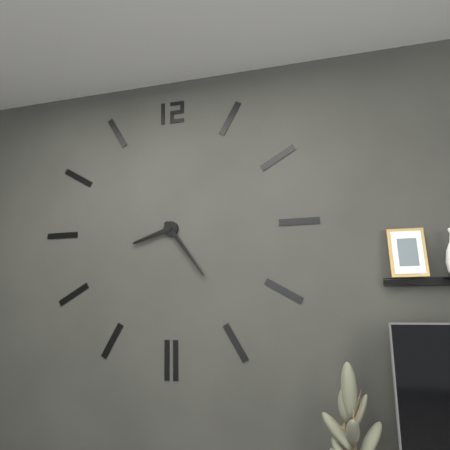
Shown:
8 h 24 min
